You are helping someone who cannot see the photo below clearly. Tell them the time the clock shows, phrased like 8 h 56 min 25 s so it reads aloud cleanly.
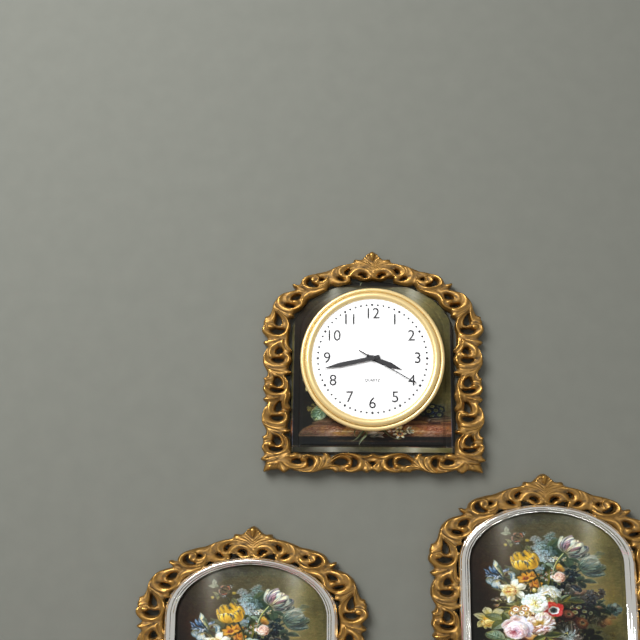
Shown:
3 h 43 min 20 s
